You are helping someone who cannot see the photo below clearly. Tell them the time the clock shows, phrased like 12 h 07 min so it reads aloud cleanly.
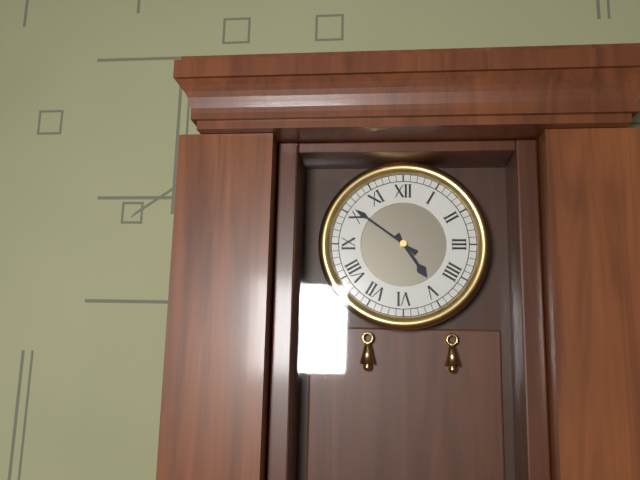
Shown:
4 h 51 min
